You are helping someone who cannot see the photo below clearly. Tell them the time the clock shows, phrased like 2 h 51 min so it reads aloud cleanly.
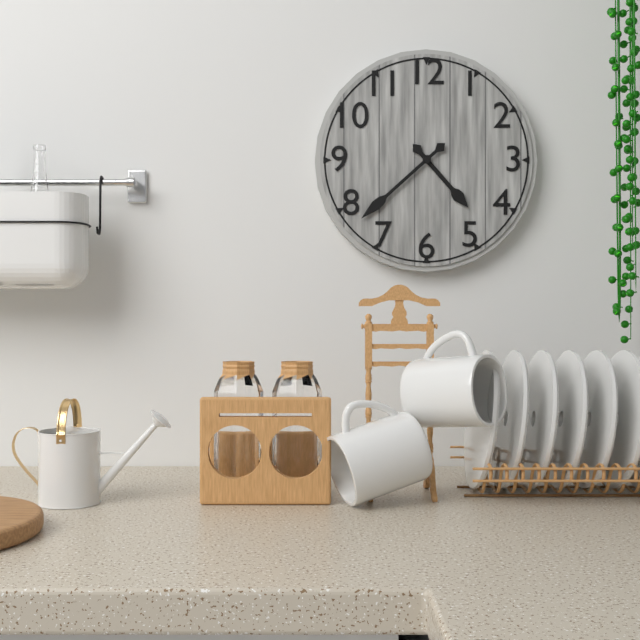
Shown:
4 h 38 min
